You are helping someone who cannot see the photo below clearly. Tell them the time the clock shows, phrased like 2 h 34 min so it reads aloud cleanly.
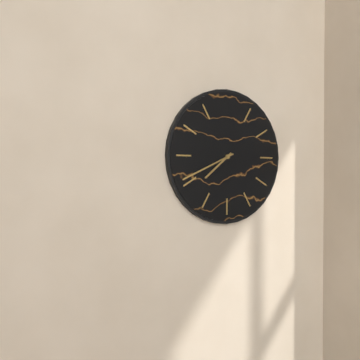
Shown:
7 h 41 min
